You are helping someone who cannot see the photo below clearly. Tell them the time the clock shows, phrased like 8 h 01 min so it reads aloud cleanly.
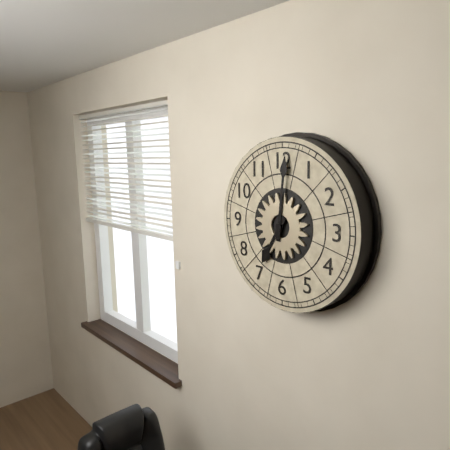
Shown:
7 h 01 min
